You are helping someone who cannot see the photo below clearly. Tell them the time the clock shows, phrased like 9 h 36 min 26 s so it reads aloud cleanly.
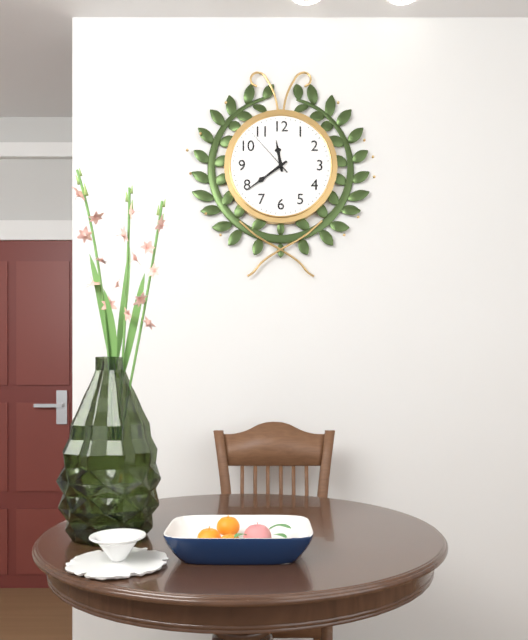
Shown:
11 h 39 min 53 s
